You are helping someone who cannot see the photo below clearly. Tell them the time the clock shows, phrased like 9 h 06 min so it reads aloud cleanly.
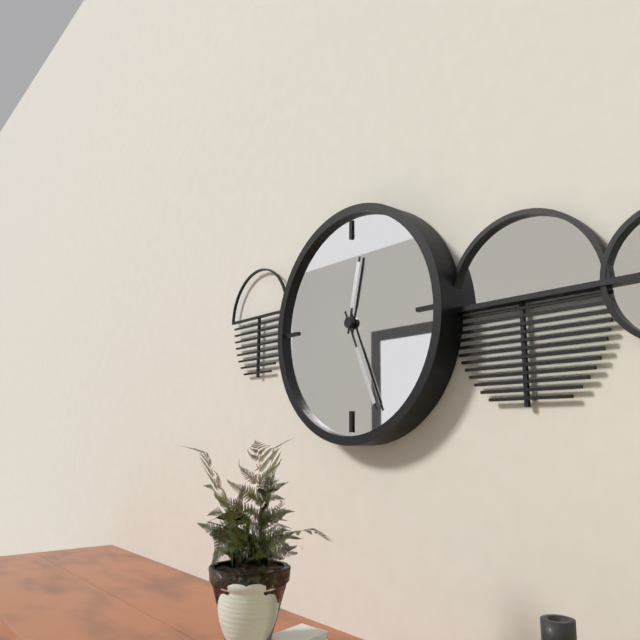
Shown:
12 h 26 min
